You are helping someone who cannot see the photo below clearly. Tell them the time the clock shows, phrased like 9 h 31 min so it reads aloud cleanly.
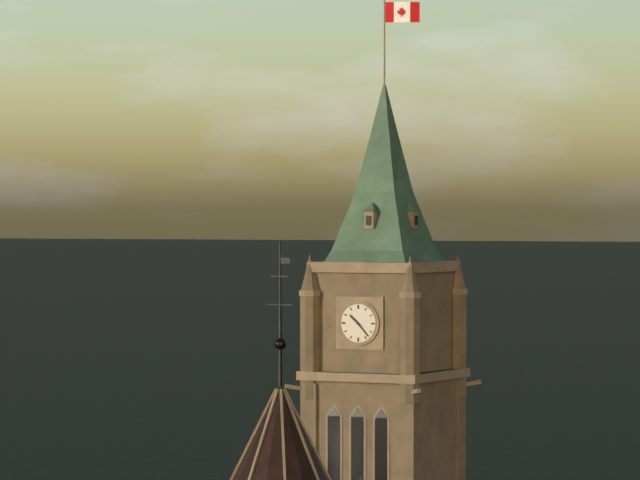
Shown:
10 h 23 min
